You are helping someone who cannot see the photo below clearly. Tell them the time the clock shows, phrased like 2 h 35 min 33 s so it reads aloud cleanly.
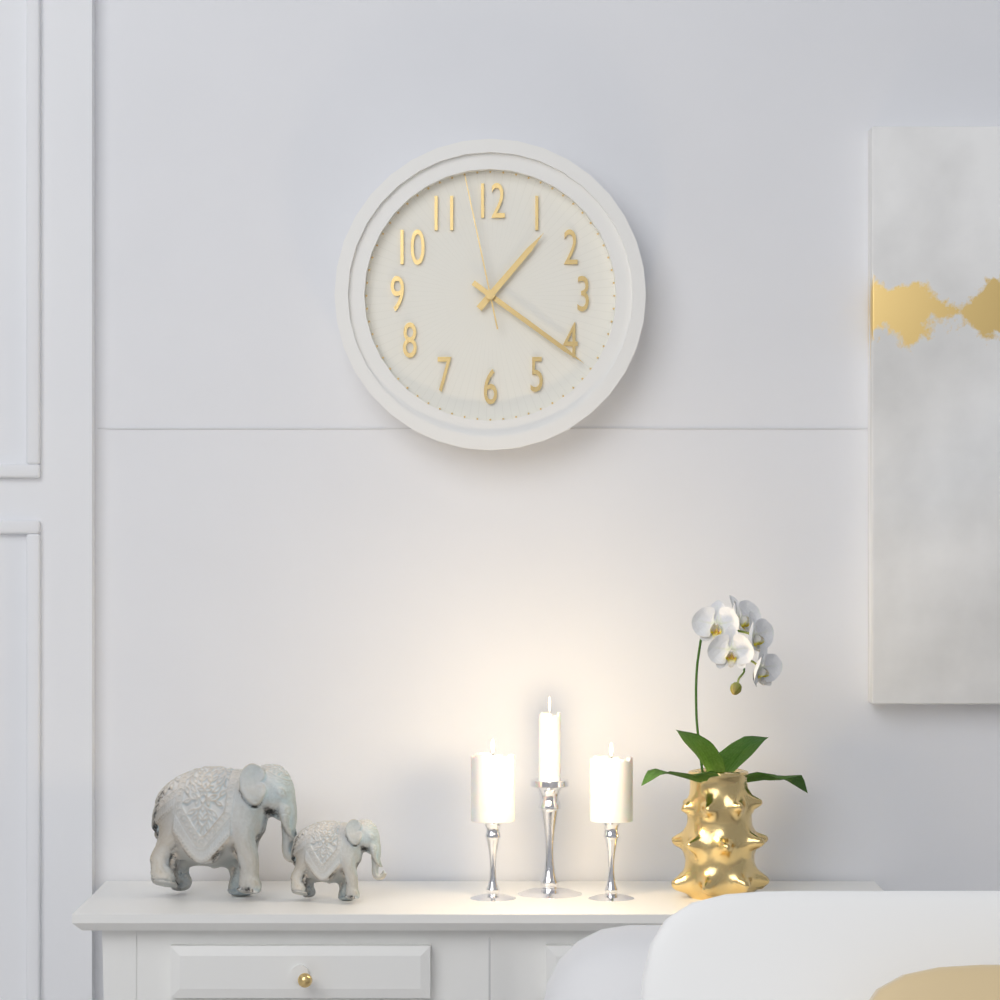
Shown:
1 h 21 min 58 s
